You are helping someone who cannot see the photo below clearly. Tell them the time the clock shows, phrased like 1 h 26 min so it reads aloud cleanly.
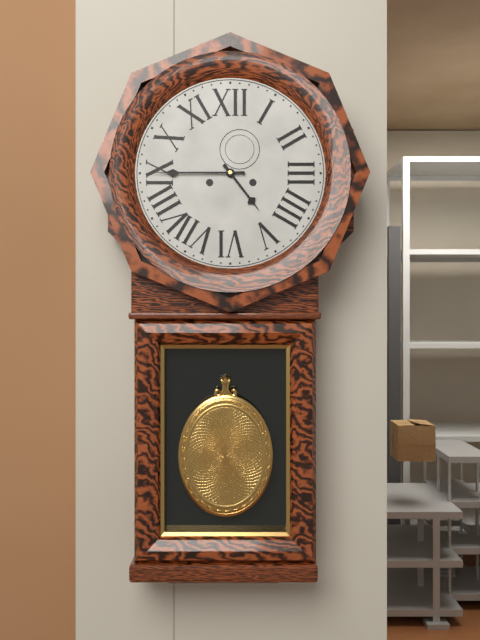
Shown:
4 h 45 min
